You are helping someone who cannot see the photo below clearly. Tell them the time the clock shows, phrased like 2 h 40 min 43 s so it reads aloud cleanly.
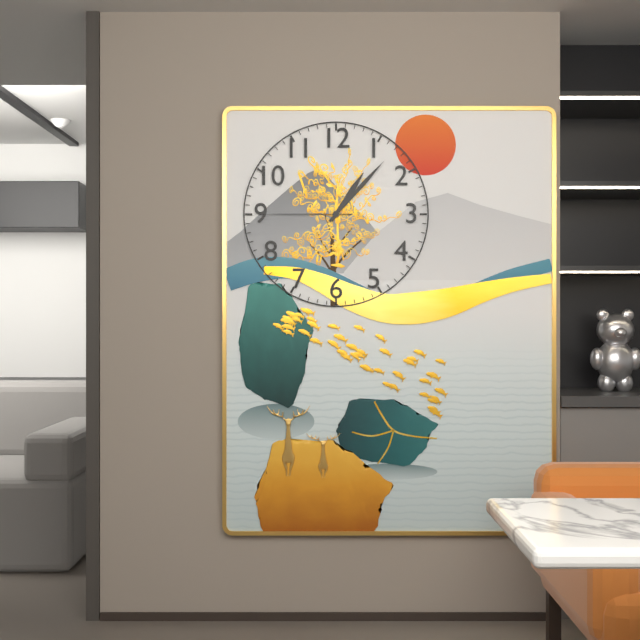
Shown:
1 h 07 min 45 s
